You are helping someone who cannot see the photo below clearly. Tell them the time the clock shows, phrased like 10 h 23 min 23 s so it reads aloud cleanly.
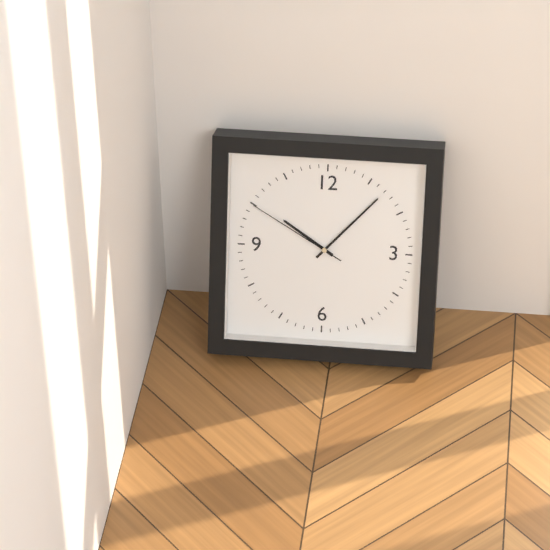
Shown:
10 h 07 min 50 s
